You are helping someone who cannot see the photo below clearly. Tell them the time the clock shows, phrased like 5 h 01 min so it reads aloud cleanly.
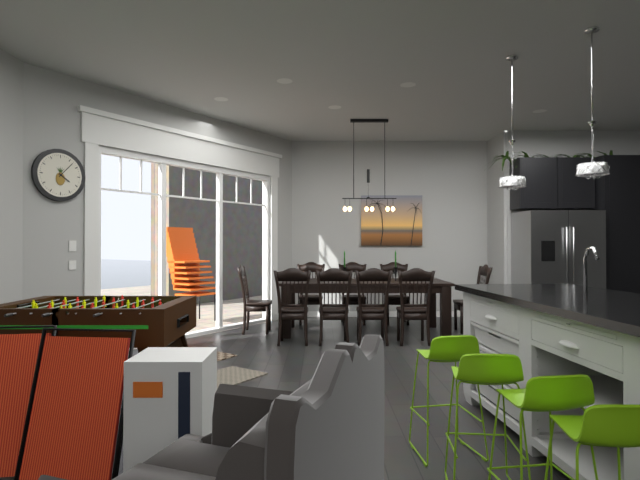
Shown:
4 h 07 min
